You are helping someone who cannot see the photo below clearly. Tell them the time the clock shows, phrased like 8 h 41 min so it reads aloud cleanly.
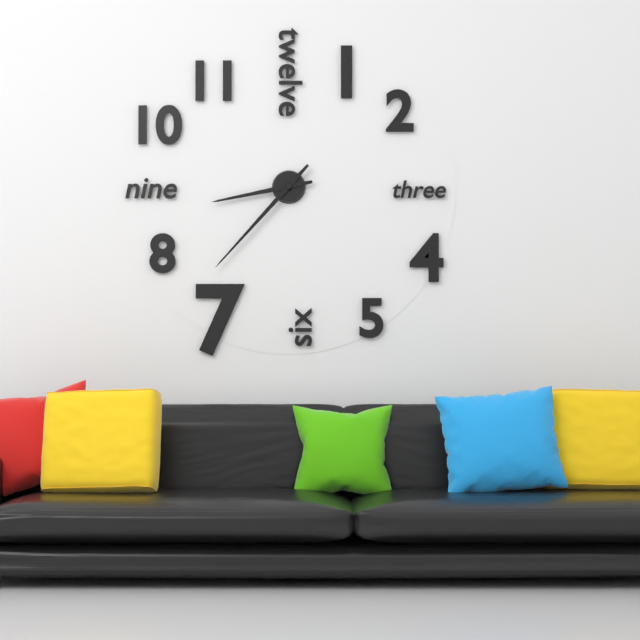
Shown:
8 h 37 min
